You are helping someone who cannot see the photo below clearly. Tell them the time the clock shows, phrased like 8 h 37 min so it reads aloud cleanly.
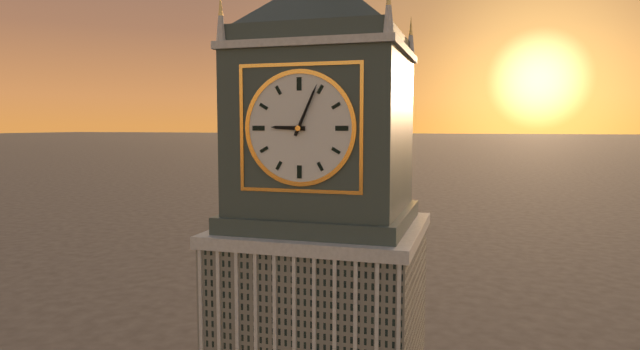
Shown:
9 h 04 min
